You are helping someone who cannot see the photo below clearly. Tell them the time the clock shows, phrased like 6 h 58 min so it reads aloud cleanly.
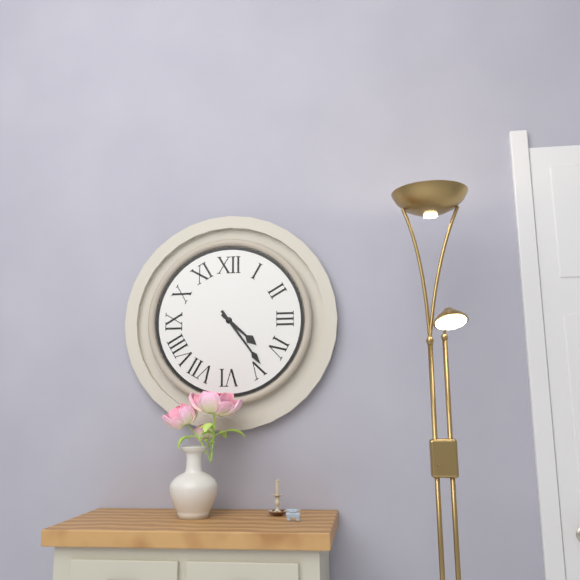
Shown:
4 h 24 min
